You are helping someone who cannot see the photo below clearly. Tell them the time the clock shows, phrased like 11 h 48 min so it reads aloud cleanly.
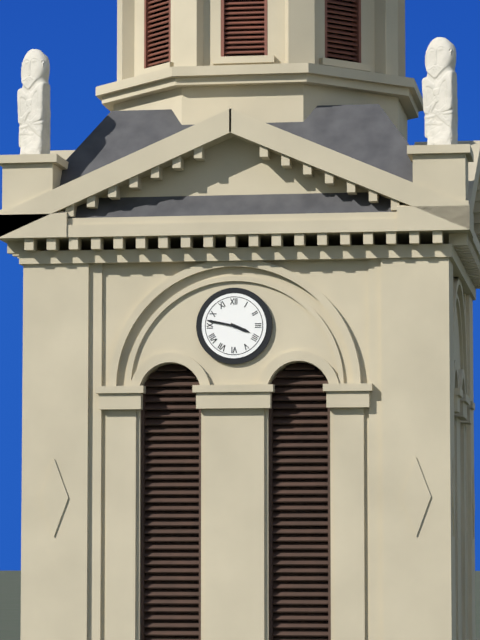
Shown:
3 h 47 min
